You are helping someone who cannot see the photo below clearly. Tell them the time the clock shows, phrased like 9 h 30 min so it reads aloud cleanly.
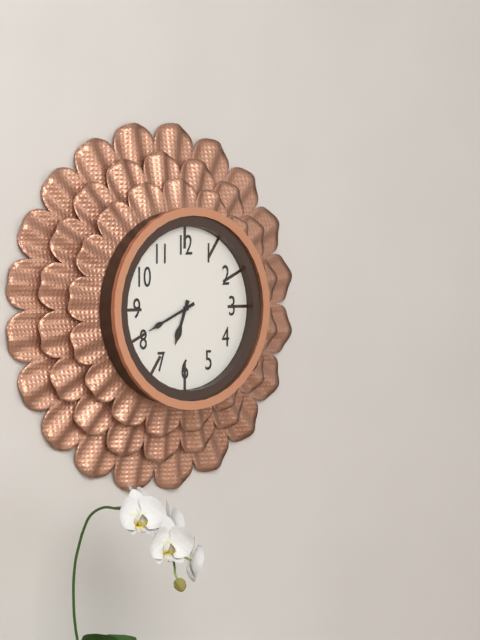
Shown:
6 h 41 min
